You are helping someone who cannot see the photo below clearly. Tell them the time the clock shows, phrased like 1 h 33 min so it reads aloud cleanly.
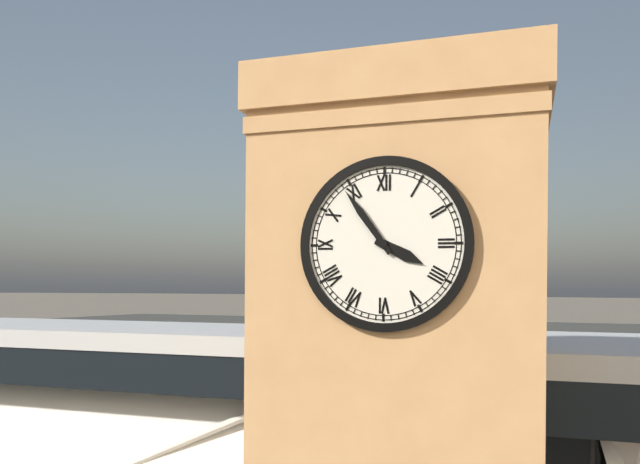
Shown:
3 h 54 min
